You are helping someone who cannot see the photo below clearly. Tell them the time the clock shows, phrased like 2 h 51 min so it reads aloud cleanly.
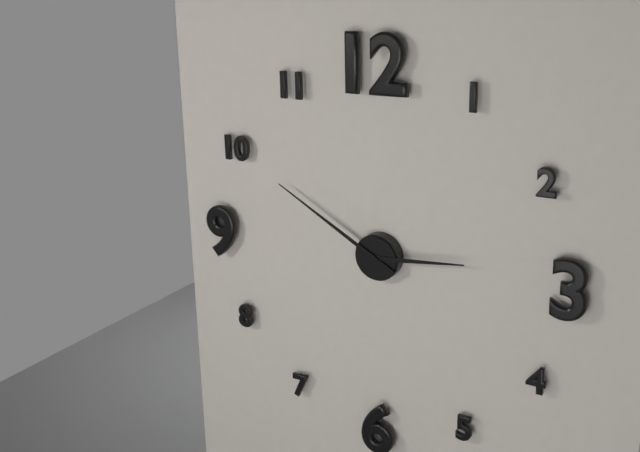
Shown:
2 h 50 min
